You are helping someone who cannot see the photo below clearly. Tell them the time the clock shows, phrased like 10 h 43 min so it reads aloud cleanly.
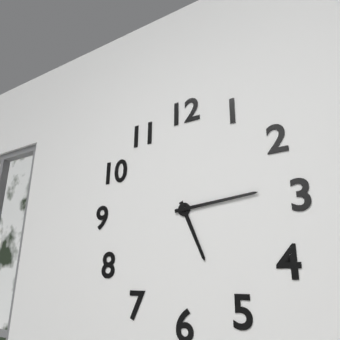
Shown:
5 h 14 min
